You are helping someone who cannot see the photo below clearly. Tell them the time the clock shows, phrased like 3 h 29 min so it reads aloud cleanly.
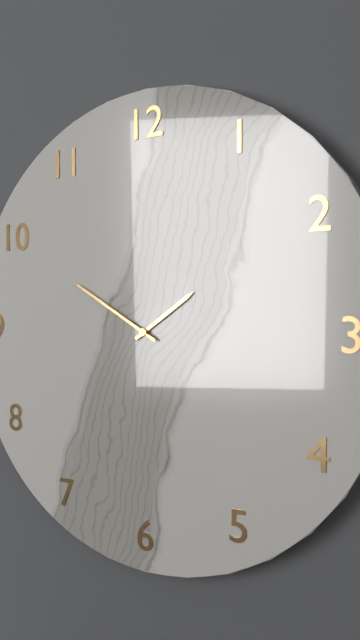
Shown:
1 h 50 min
